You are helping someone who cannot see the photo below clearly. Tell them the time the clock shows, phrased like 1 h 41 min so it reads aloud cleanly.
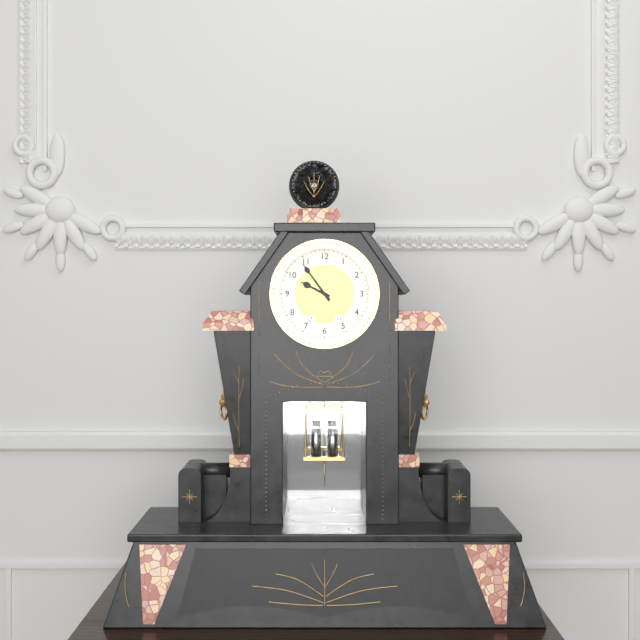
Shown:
9 h 54 min
